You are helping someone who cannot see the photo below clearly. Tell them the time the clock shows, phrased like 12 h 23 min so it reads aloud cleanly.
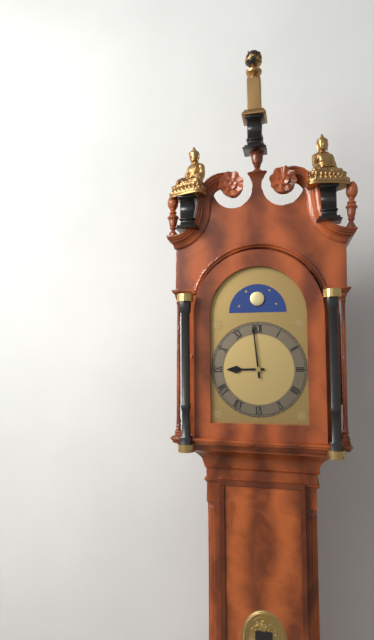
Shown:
8 h 59 min
